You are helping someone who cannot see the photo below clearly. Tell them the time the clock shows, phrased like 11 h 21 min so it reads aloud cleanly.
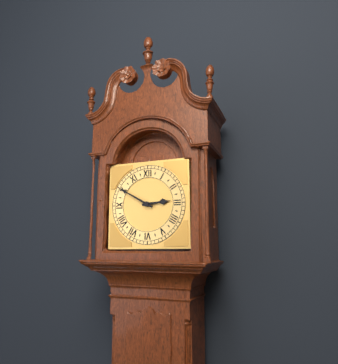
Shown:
2 h 50 min
